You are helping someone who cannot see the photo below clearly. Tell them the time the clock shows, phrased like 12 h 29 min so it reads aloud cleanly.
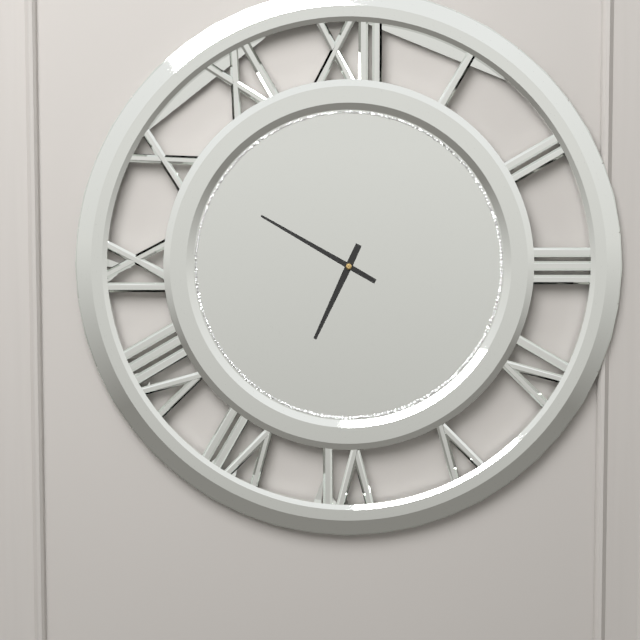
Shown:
6 h 50 min
